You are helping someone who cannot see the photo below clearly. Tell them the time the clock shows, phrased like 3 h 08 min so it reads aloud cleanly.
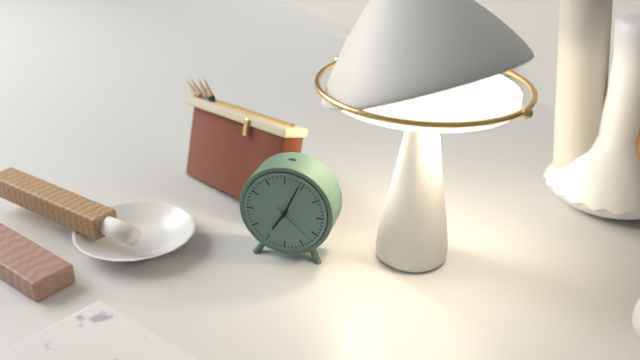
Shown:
7 h 04 min
